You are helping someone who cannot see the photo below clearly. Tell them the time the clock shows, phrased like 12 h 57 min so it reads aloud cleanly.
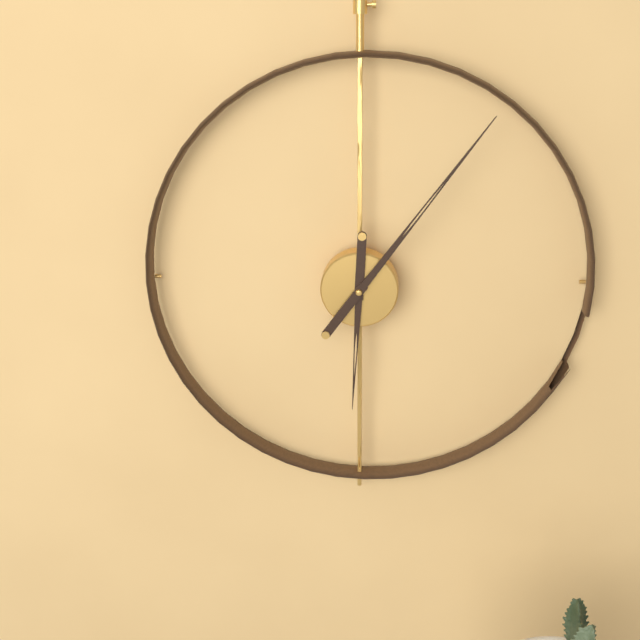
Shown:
6 h 06 min
